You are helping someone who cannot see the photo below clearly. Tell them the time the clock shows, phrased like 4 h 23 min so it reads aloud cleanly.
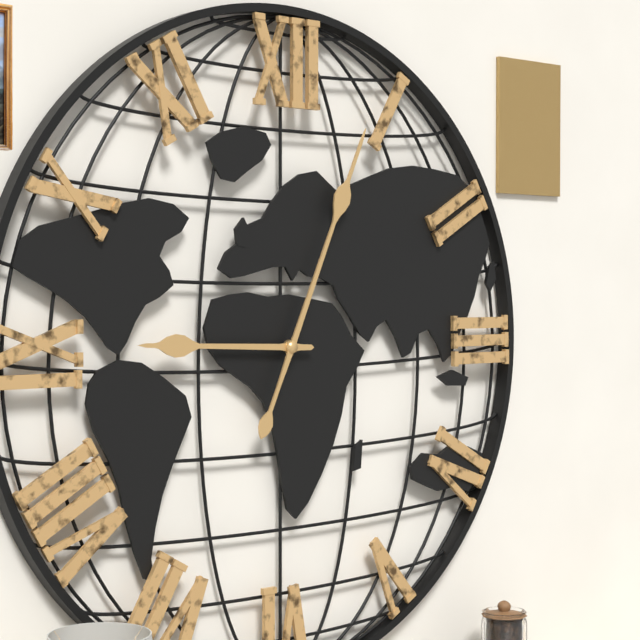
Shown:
9 h 04 min
